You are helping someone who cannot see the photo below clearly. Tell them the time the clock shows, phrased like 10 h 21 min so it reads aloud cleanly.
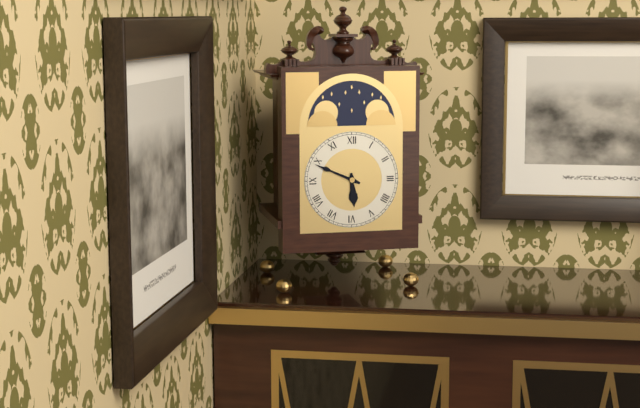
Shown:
5 h 49 min
